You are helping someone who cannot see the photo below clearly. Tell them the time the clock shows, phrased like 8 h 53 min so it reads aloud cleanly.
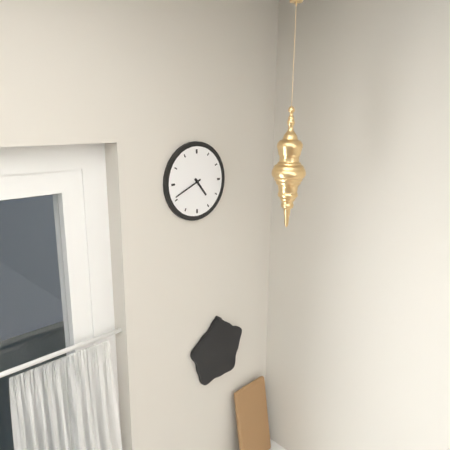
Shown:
4 h 41 min
